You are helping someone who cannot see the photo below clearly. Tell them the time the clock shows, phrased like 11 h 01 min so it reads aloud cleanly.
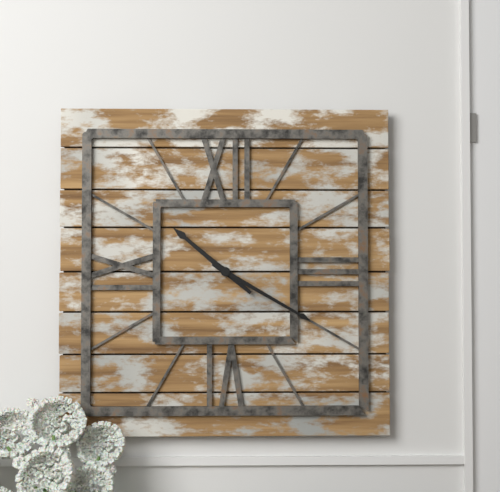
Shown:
10 h 20 min
